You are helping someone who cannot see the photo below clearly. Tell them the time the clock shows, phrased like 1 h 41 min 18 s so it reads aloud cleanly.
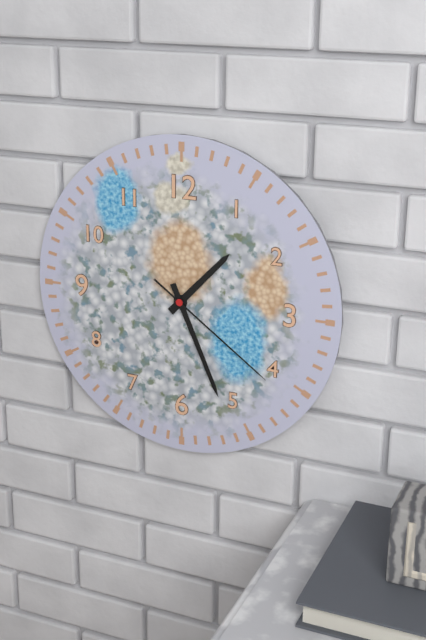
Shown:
1 h 26 min 21 s
